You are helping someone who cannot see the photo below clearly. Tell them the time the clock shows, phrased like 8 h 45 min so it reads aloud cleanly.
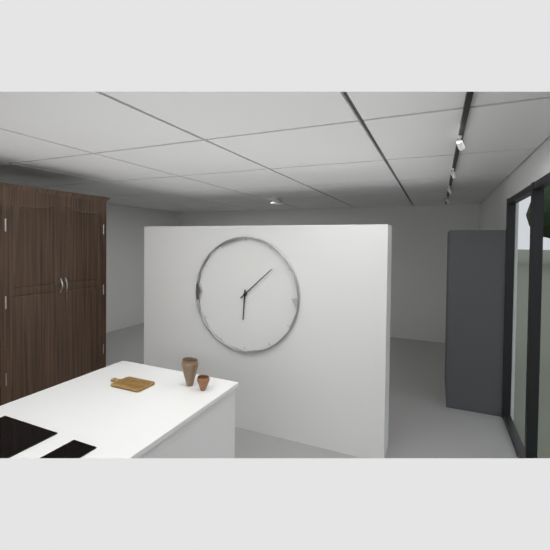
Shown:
6 h 08 min
